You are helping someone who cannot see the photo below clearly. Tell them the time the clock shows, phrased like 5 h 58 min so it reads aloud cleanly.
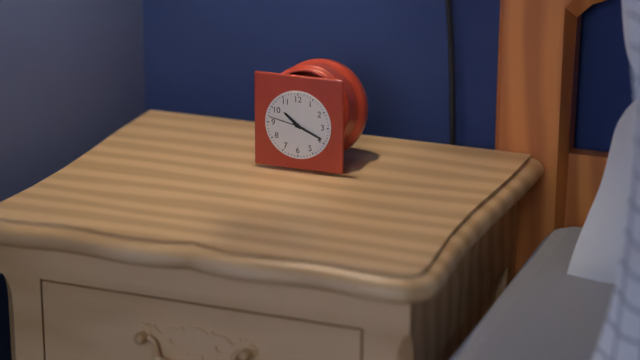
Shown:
10 h 19 min
